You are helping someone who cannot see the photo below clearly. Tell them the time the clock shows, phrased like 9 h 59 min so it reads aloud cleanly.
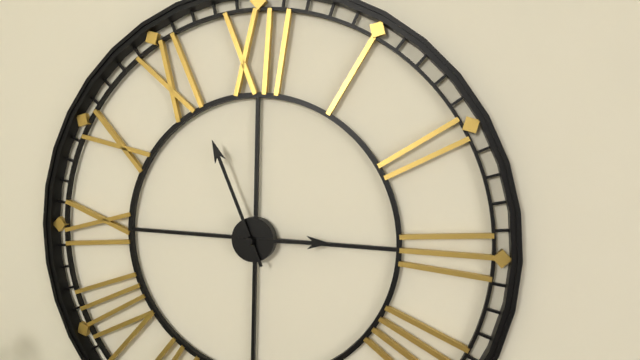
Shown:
2 h 56 min
